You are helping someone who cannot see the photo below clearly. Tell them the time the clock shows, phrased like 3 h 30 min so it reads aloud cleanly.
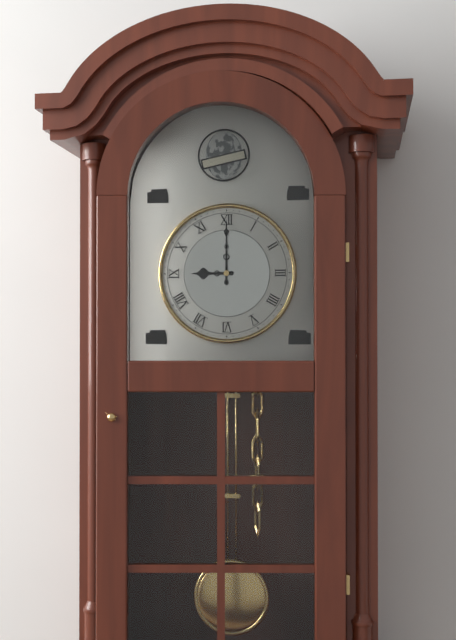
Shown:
9 h 00 min
